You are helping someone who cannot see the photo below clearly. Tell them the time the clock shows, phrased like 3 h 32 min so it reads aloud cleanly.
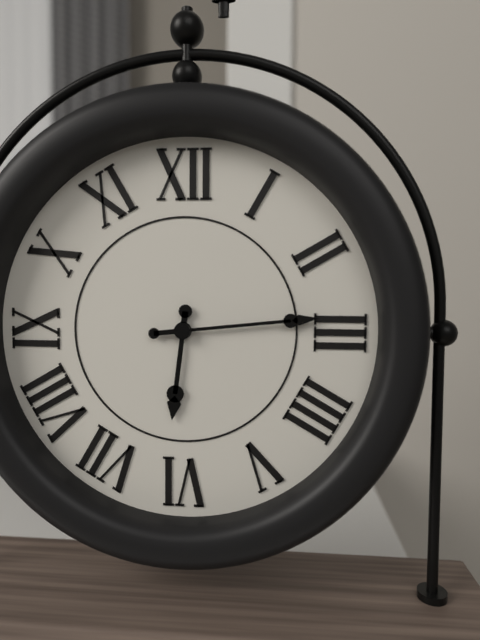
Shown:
6 h 14 min
